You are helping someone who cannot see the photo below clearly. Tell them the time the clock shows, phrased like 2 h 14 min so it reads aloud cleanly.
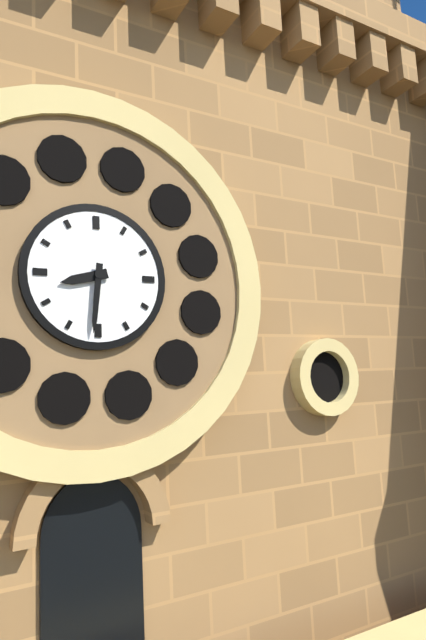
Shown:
8 h 31 min
